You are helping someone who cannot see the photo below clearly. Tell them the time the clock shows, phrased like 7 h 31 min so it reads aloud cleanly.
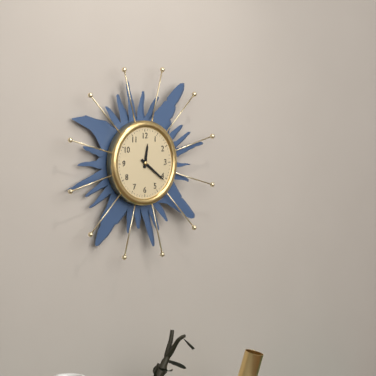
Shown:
12 h 21 min
